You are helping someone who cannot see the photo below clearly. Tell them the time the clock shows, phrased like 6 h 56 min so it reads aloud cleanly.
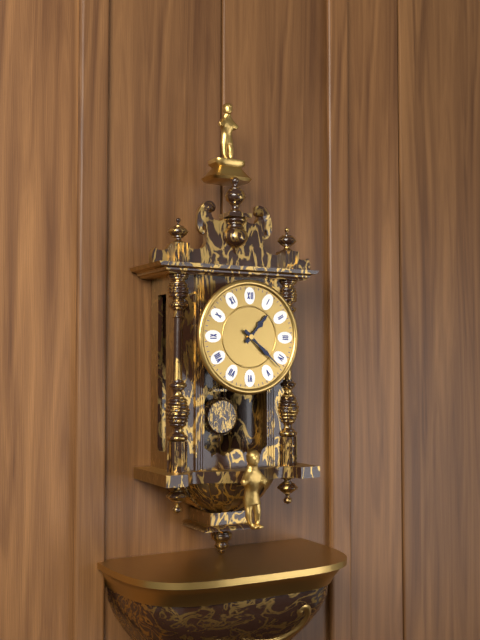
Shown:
1 h 22 min
